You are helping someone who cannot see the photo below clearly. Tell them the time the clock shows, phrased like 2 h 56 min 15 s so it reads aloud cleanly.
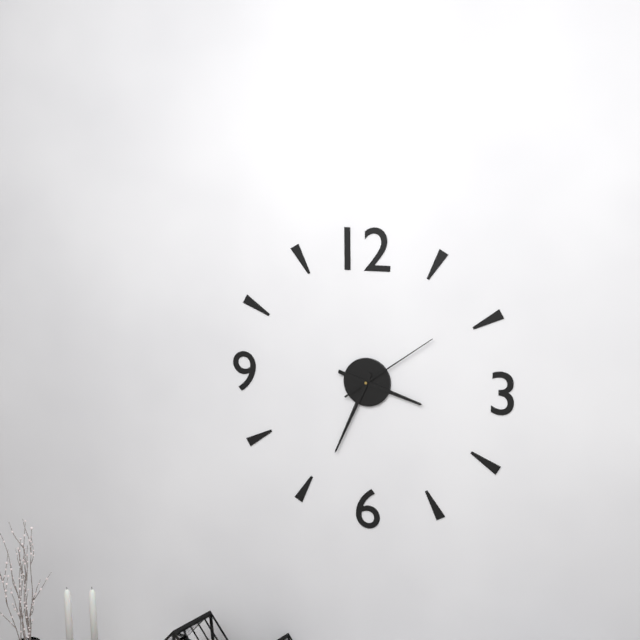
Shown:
3 h 34 min 09 s
